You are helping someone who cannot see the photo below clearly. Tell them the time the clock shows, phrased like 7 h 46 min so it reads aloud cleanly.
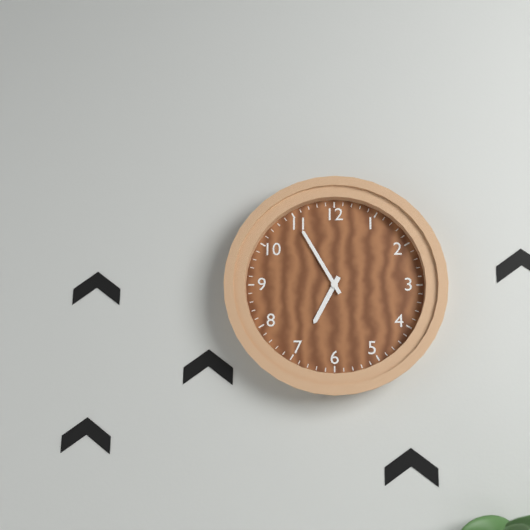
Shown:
6 h 55 min
